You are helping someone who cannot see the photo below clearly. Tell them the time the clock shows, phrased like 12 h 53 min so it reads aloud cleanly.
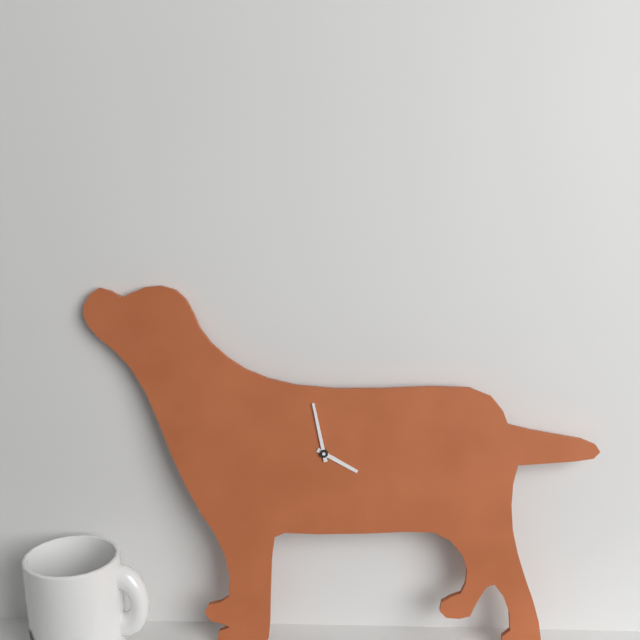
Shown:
3 h 58 min
